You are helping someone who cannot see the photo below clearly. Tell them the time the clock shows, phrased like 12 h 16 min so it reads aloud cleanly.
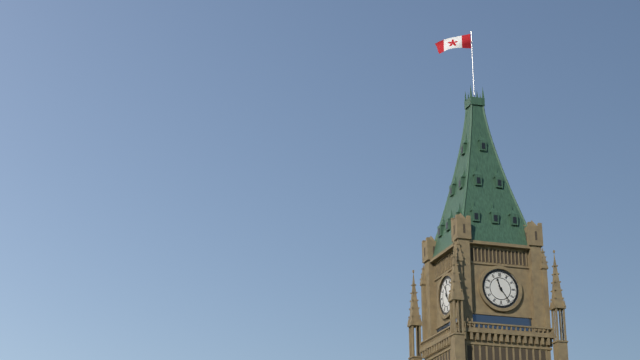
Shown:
11 h 24 min
